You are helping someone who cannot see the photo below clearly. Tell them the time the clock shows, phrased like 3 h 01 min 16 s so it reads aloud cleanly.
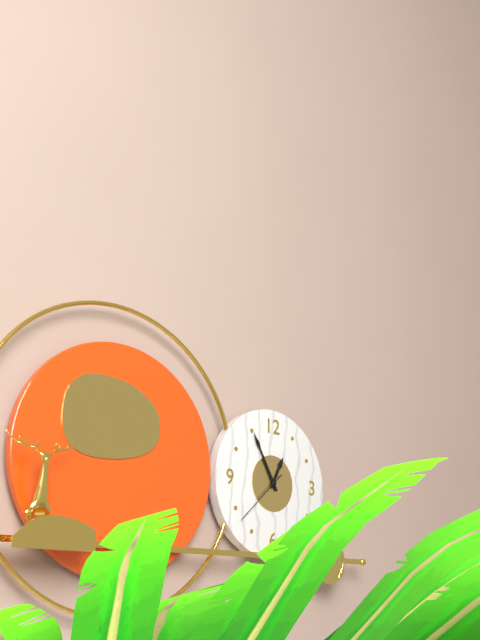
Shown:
12 h 55 min 38 s
